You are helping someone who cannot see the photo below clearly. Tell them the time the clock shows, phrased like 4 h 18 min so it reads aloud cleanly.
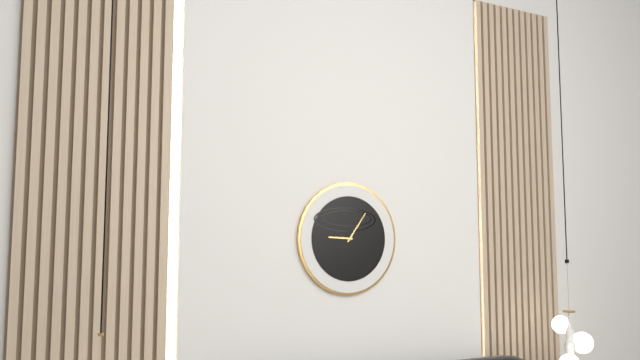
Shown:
9 h 06 min
